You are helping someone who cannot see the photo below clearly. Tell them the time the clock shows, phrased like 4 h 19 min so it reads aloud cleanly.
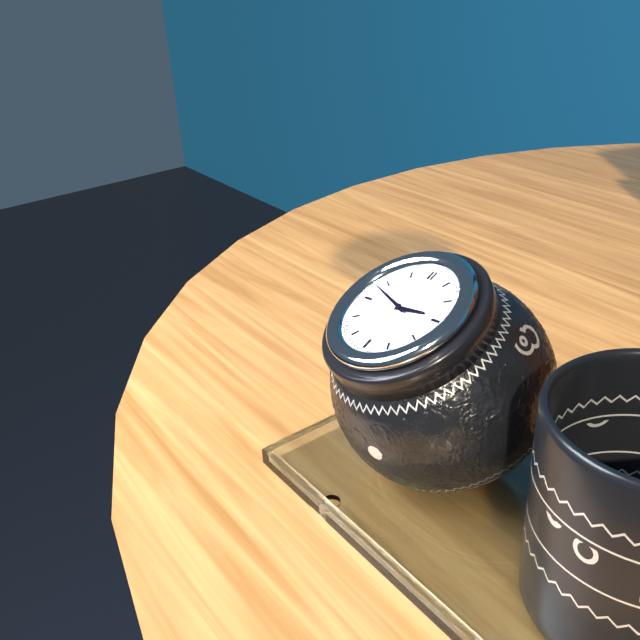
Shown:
2 h 48 min
